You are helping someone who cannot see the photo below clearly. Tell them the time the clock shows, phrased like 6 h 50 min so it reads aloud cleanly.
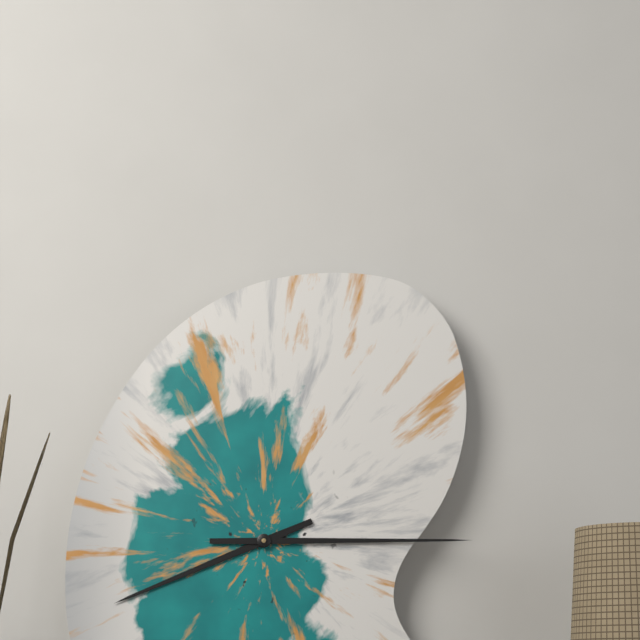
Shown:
8 h 15 min
